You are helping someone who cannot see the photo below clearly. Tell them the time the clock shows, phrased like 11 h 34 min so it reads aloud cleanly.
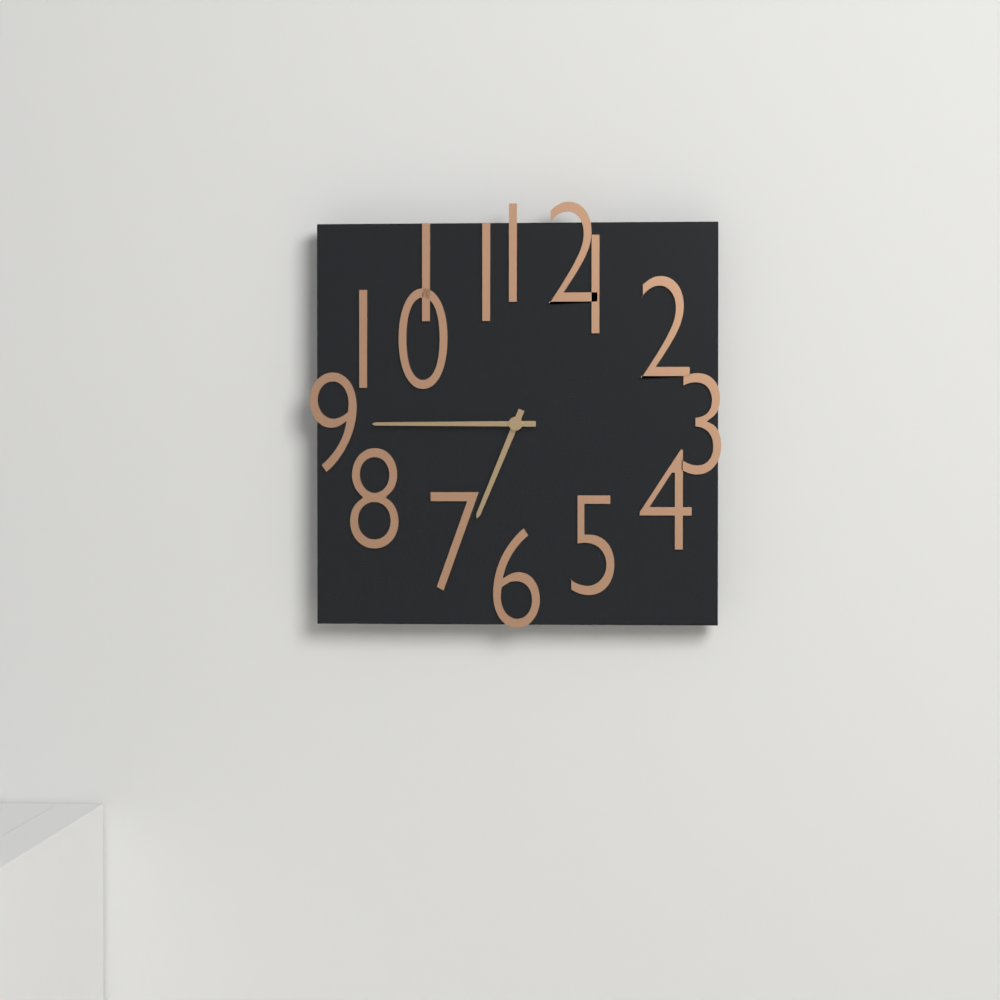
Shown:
6 h 45 min
